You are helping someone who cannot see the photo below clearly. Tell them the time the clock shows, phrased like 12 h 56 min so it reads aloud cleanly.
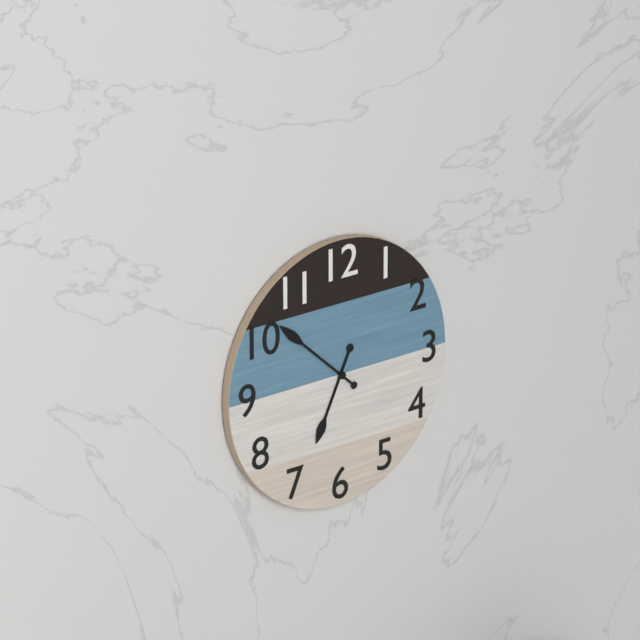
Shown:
6 h 52 min
